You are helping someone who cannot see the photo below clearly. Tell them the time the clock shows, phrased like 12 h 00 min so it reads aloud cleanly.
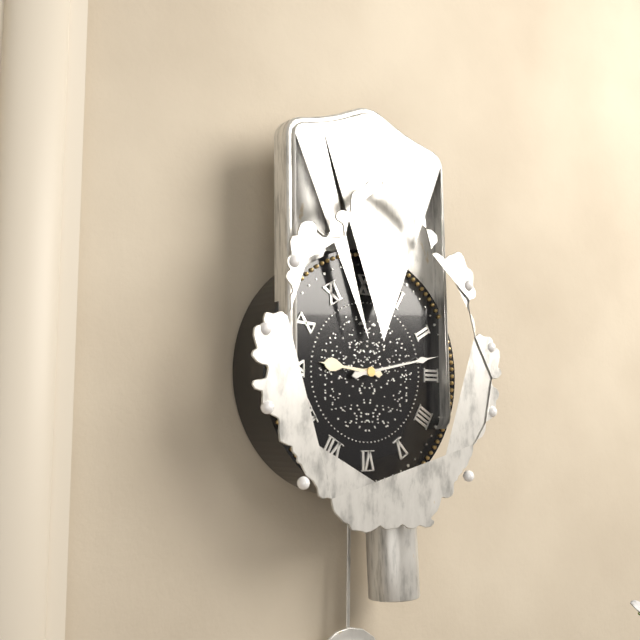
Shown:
9 h 13 min
